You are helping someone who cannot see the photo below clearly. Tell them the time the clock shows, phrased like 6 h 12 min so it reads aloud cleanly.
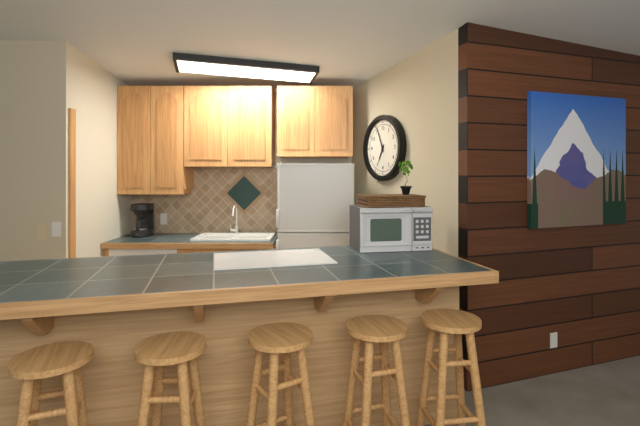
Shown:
6 h 56 min
